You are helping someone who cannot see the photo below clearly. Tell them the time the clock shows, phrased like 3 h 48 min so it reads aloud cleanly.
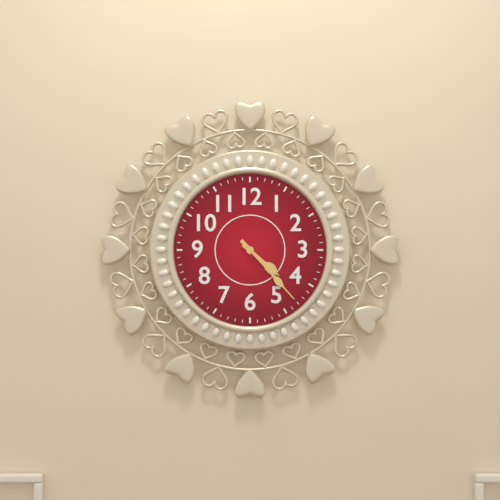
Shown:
4 h 23 min
